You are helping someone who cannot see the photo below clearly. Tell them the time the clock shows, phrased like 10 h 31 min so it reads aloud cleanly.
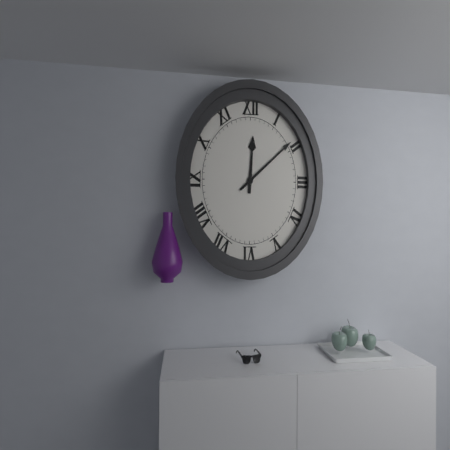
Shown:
12 h 09 min
